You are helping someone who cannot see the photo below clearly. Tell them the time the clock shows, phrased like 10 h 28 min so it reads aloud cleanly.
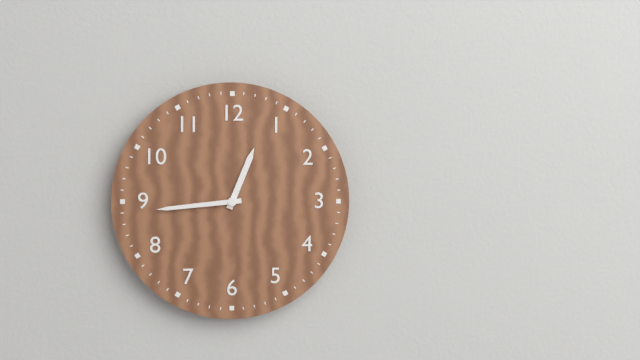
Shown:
12 h 44 min
